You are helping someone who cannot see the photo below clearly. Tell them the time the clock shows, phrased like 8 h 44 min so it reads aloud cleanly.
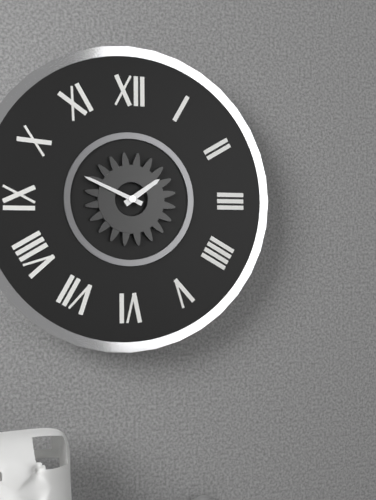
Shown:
1 h 49 min
